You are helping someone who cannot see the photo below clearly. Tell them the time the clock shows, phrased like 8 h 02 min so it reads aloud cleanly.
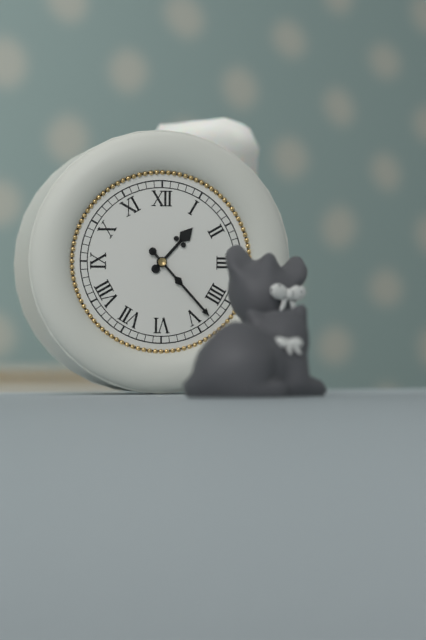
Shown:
1 h 23 min
